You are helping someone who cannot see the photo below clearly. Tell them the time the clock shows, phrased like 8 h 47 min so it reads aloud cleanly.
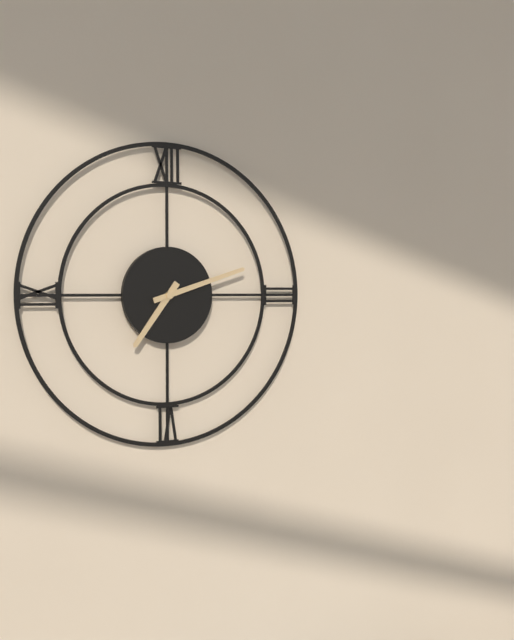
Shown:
7 h 12 min
